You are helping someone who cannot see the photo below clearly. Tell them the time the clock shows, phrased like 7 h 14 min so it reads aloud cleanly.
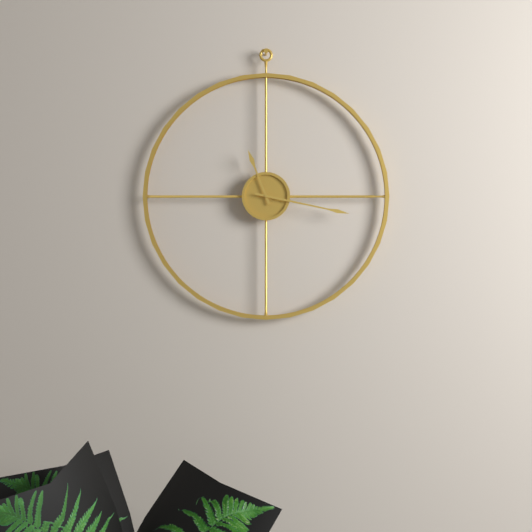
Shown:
11 h 17 min
